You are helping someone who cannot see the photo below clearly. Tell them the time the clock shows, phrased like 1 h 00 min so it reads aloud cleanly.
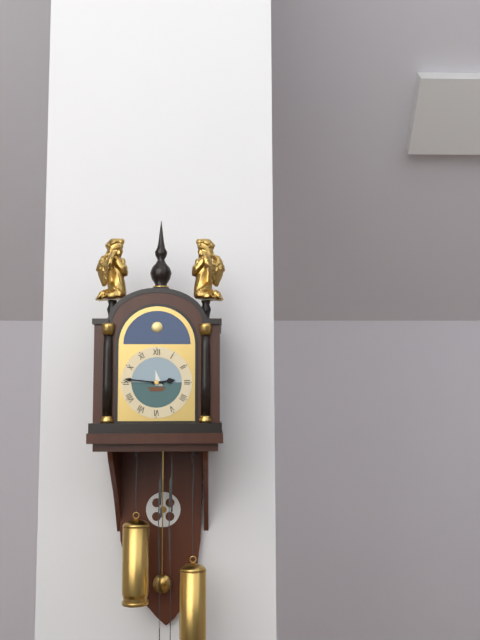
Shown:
2 h 46 min
